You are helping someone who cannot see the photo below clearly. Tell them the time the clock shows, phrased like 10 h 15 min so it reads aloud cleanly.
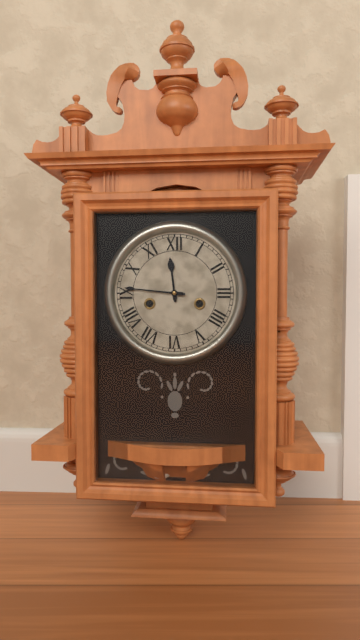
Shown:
11 h 46 min
